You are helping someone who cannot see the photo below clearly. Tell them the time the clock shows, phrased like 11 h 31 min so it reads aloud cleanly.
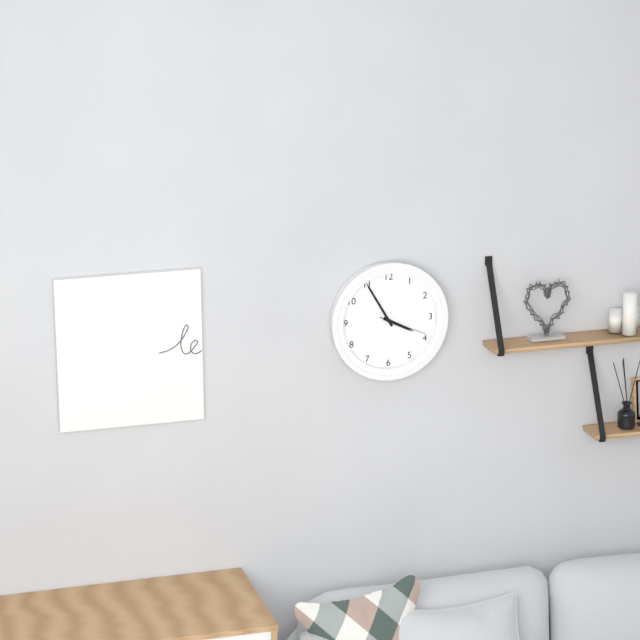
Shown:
3 h 55 min
